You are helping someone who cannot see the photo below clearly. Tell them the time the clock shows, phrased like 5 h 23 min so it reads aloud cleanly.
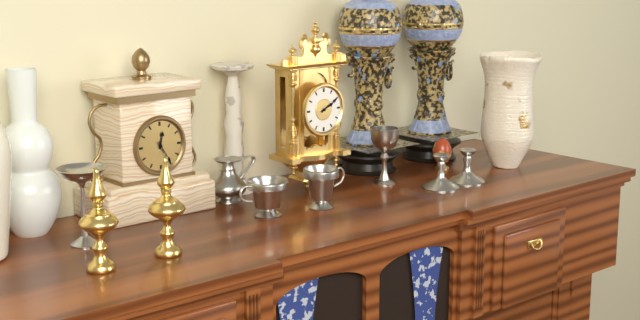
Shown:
2 h 10 min
